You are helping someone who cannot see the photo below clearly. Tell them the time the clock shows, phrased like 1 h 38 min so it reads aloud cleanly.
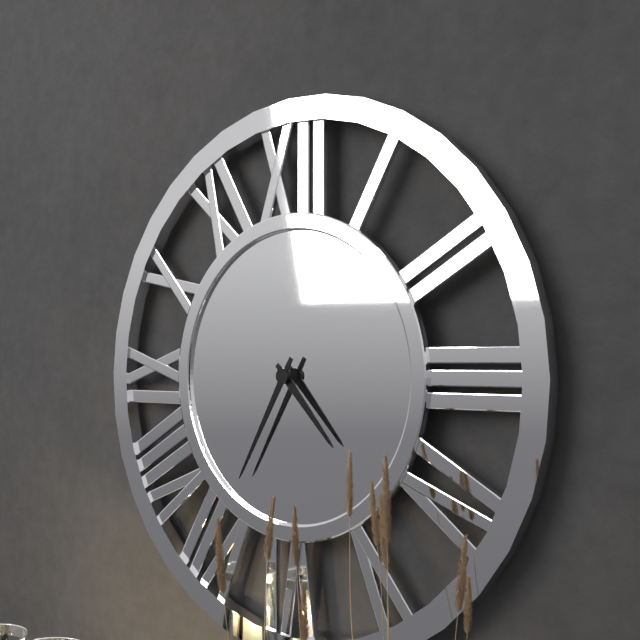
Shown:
4 h 35 min
